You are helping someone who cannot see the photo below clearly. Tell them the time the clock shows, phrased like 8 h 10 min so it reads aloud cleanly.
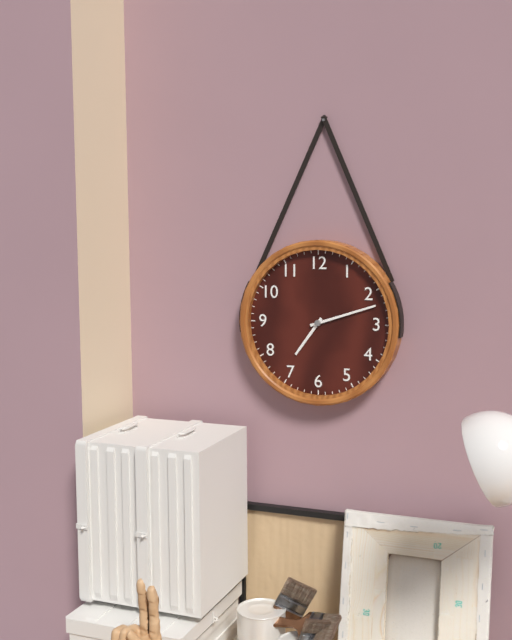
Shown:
7 h 12 min
